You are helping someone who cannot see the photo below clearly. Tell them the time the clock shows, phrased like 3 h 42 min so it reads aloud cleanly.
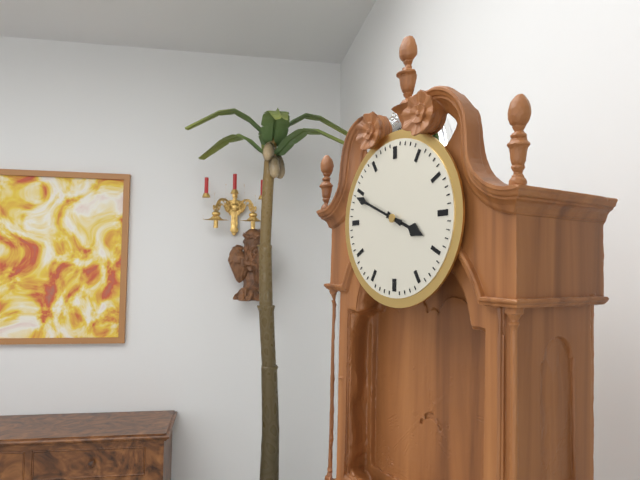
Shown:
3 h 49 min
